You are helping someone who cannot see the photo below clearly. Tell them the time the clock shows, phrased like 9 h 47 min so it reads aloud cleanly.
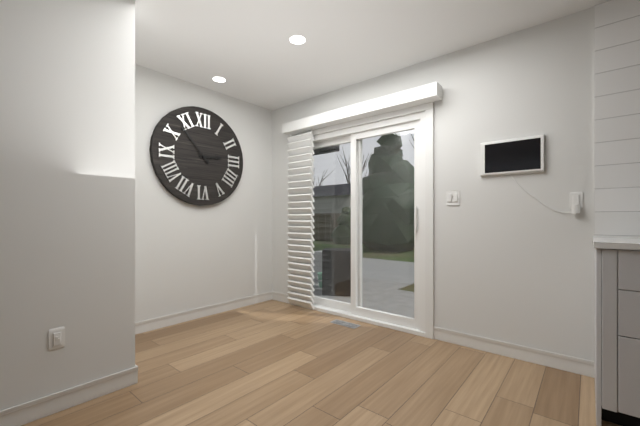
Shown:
2 h 53 min
